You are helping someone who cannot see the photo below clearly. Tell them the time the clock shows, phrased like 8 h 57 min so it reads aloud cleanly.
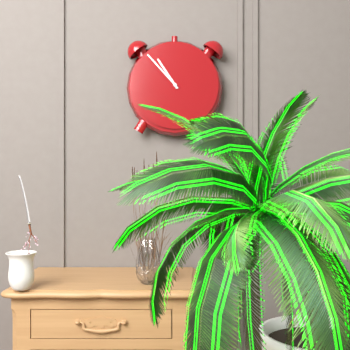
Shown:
10 h 53 min
